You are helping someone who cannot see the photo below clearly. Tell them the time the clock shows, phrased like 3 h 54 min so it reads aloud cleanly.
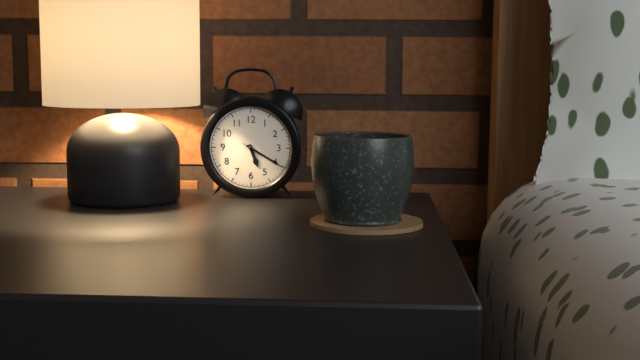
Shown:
5 h 20 min
